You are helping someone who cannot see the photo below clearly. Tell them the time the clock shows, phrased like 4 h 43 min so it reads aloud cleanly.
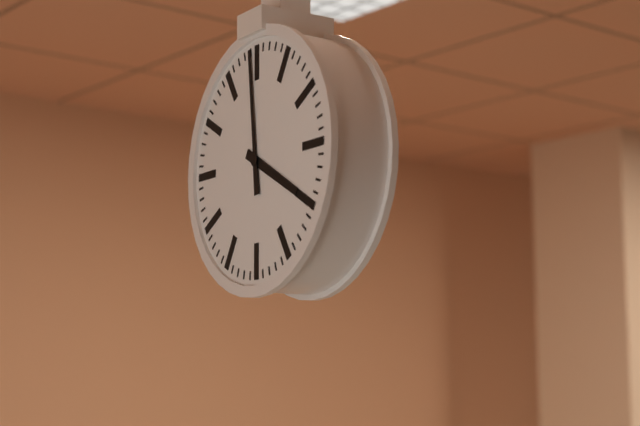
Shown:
3 h 59 min
